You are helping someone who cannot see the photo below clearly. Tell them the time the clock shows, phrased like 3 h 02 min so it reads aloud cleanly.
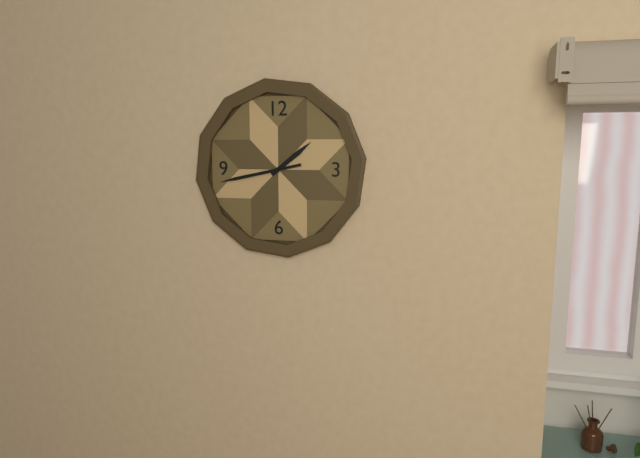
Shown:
1 h 43 min
